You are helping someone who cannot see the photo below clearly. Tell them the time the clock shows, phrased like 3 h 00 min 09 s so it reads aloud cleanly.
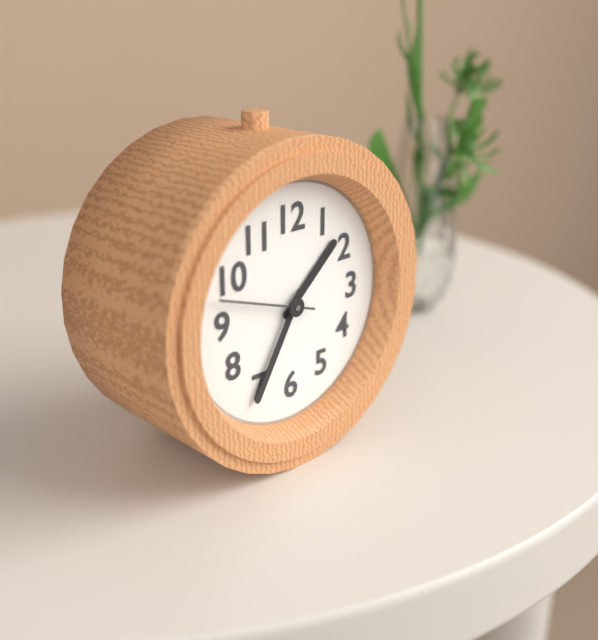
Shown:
1 h 35 min 48 s
